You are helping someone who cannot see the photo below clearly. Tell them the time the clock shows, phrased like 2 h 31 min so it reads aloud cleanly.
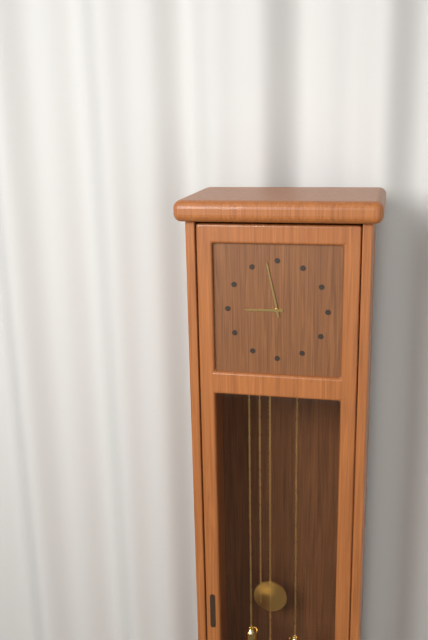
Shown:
8 h 58 min
